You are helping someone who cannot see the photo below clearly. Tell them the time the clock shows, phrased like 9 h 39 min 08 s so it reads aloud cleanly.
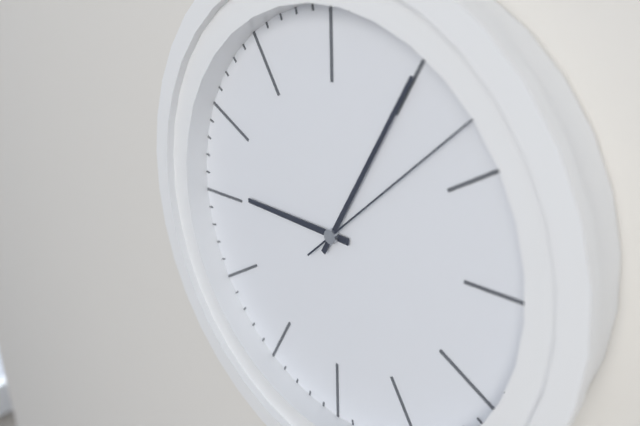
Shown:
9 h 05 min 08 s
